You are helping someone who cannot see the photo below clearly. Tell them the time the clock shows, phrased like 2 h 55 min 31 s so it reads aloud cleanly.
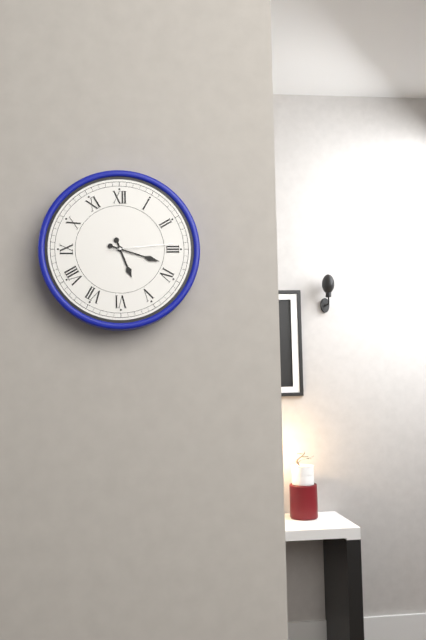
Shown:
5 h 18 min 14 s
